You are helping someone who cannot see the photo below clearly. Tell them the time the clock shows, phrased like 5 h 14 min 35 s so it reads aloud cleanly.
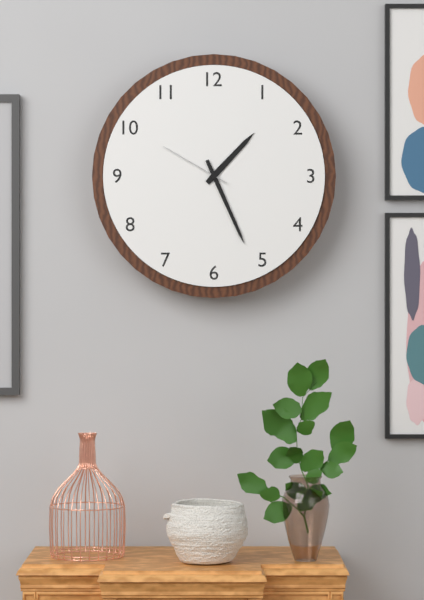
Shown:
1 h 26 min 50 s
